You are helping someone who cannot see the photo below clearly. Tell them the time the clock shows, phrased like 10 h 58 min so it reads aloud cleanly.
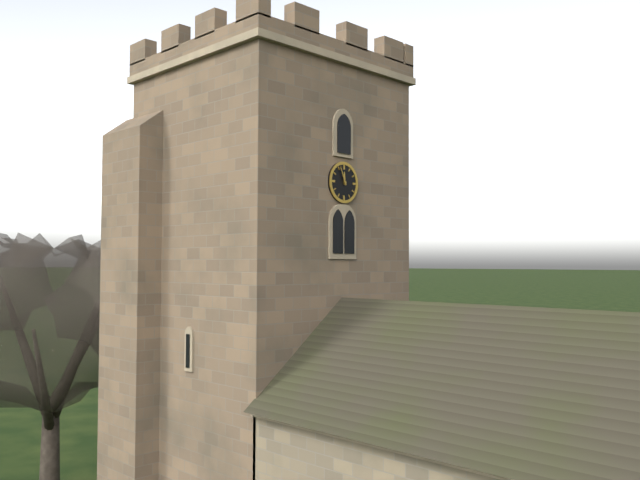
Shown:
11 h 56 min
